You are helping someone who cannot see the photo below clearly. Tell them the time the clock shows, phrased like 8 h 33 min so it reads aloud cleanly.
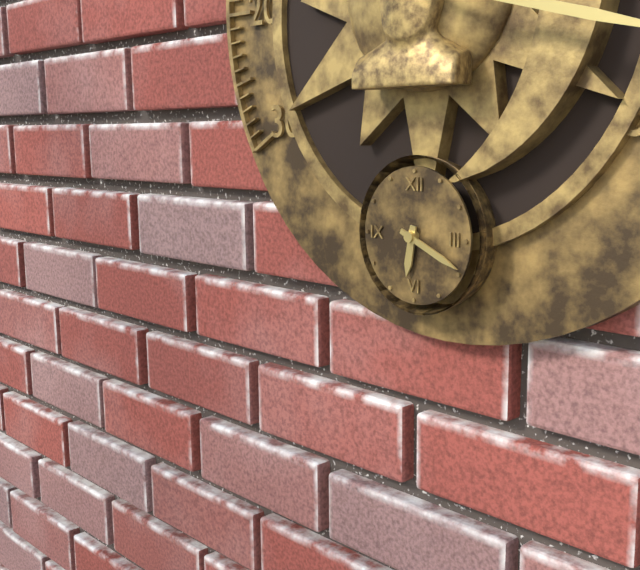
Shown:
6 h 19 min
